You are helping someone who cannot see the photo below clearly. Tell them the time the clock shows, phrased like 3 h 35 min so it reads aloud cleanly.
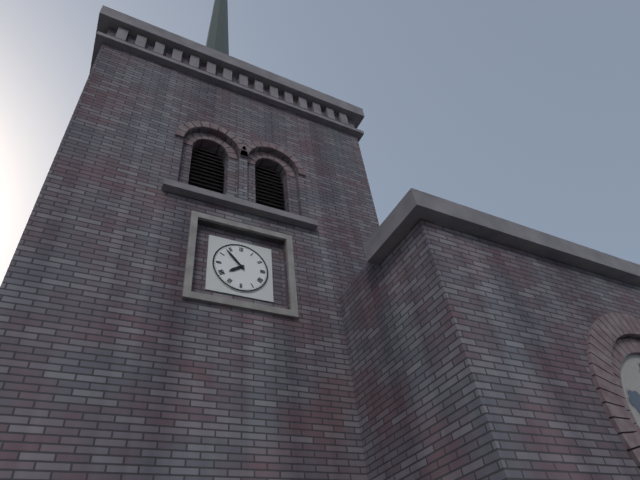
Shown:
7 h 53 min
